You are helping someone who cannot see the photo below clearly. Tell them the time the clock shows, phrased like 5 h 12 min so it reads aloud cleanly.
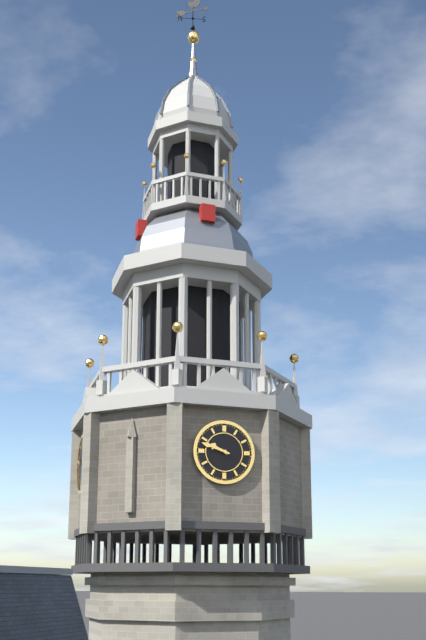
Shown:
9 h 48 min
